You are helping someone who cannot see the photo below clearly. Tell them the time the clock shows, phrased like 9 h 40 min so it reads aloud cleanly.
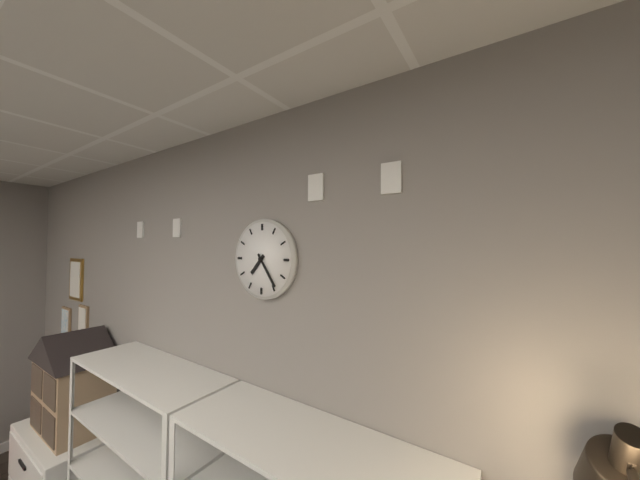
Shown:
7 h 24 min
